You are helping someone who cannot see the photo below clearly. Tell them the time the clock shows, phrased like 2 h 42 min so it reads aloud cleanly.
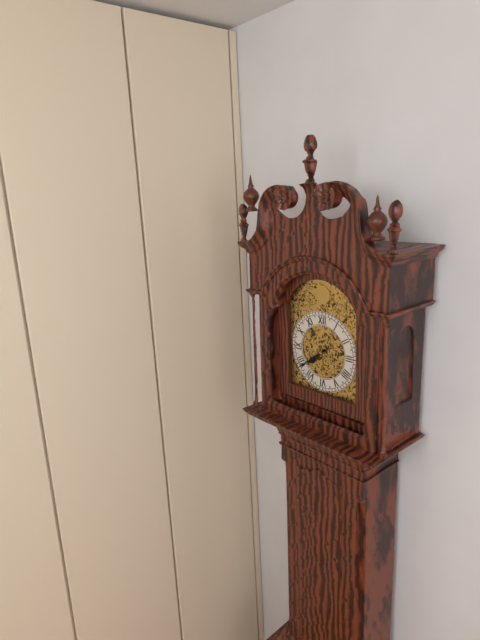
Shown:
7 h 39 min
